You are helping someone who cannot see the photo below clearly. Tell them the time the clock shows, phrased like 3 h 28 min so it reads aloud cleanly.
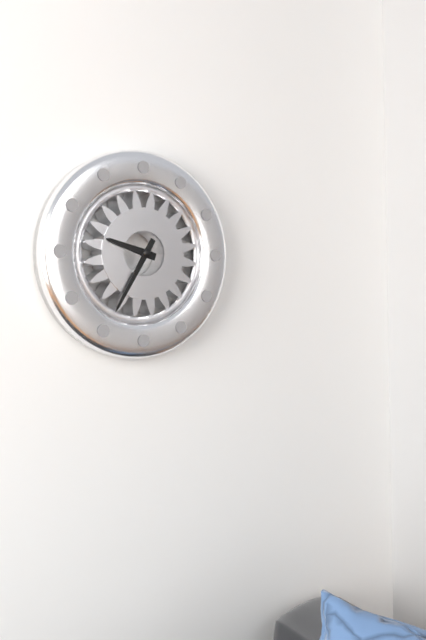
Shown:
9 h 35 min
